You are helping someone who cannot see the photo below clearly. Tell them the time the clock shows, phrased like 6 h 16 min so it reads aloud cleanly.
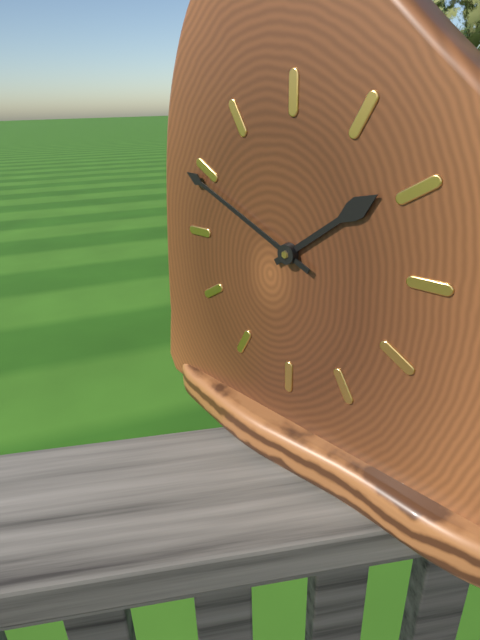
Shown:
1 h 49 min
